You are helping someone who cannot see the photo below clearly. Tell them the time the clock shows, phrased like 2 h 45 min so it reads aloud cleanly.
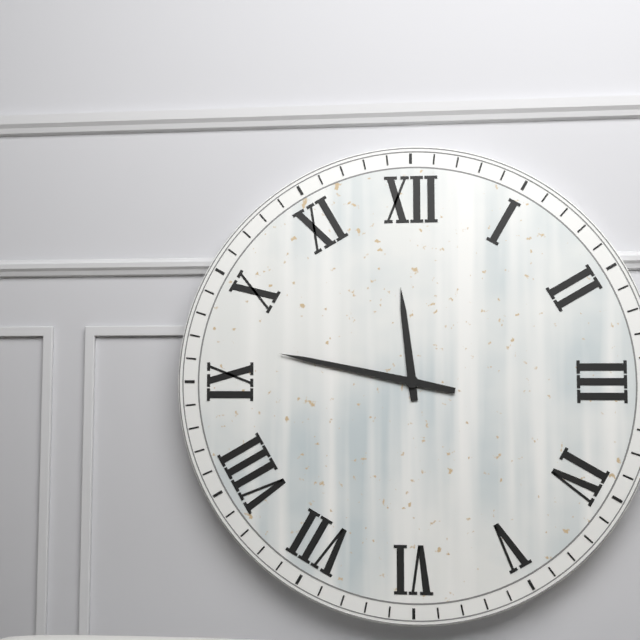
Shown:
11 h 47 min
